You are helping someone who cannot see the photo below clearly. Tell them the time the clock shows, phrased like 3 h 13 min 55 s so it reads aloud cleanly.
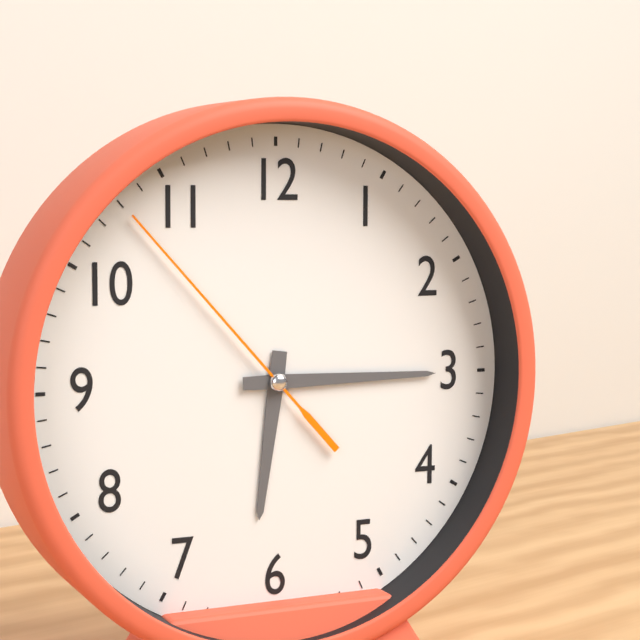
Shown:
6 h 15 min 53 s
